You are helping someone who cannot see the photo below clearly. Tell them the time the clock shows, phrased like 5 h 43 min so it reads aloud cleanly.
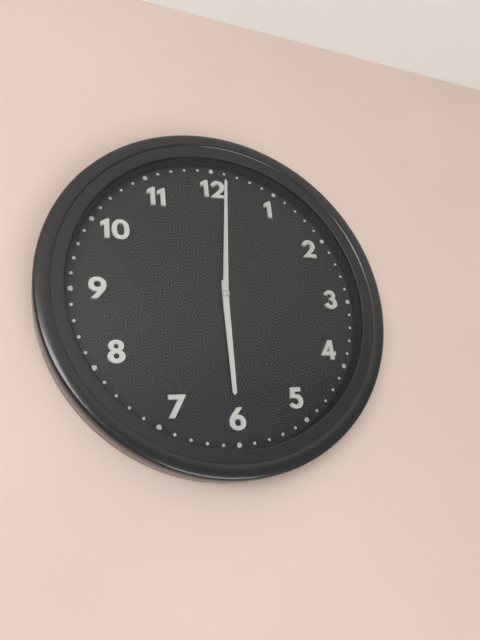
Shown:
6 h 01 min
